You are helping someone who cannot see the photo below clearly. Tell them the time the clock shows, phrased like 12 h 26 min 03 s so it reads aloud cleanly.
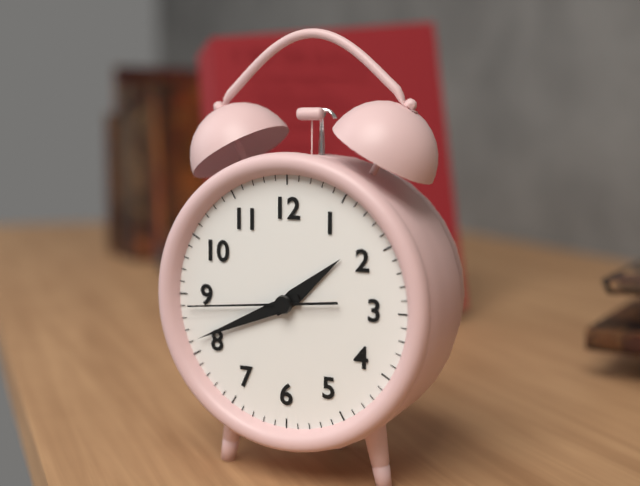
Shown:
1 h 41 min 44 s
